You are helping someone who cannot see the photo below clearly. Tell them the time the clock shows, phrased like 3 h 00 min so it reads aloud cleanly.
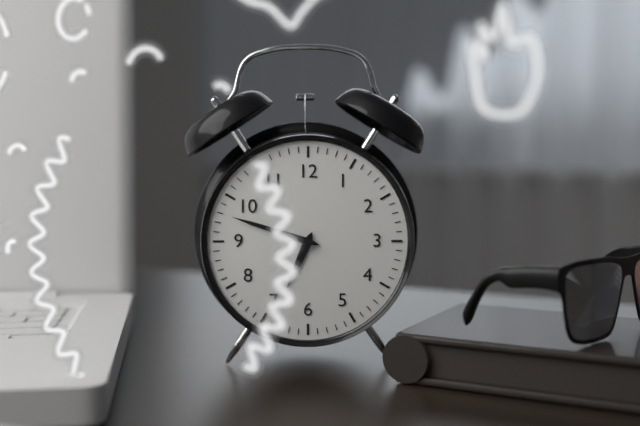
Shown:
6 h 48 min
